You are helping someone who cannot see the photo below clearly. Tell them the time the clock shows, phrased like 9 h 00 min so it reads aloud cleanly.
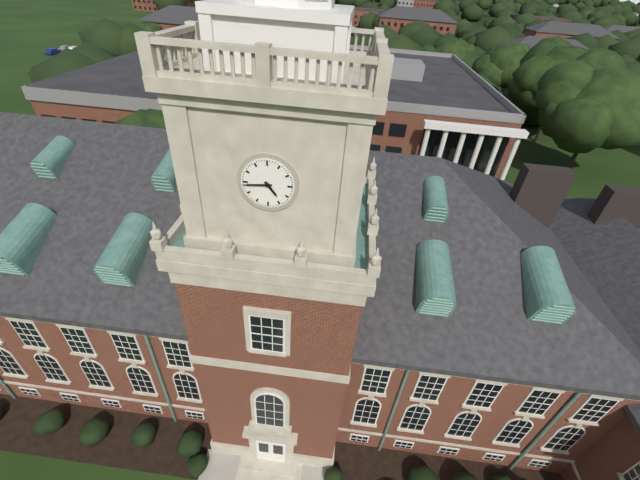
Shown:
4 h 44 min
